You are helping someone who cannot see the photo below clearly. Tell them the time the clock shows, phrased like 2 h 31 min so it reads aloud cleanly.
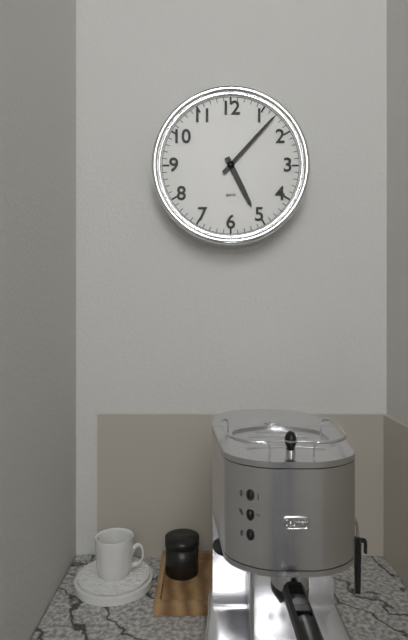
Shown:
5 h 07 min
